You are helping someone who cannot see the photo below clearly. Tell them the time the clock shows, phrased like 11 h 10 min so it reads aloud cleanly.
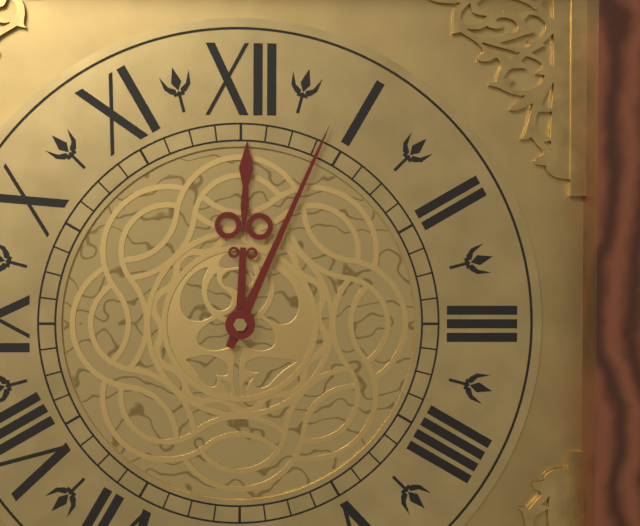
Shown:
12 h 04 min
